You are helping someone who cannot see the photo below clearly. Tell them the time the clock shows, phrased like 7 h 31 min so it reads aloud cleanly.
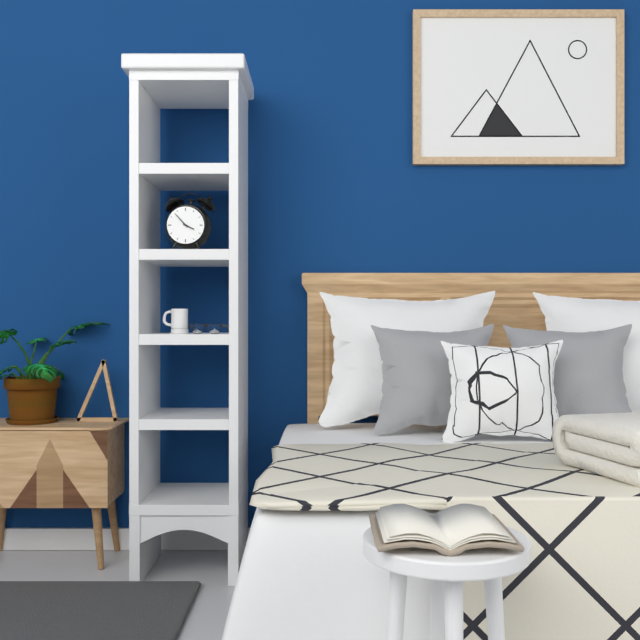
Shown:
3 h 53 min
